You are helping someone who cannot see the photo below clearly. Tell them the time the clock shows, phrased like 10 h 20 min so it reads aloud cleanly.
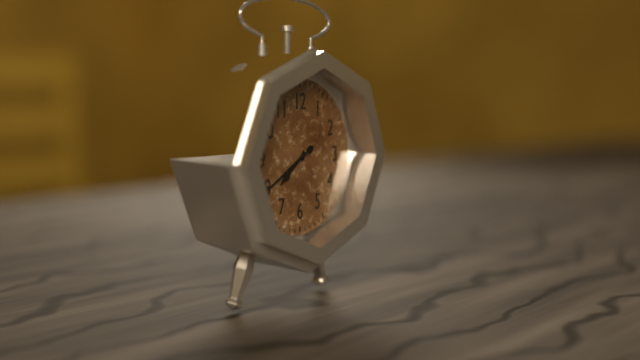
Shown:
7 h 40 min
